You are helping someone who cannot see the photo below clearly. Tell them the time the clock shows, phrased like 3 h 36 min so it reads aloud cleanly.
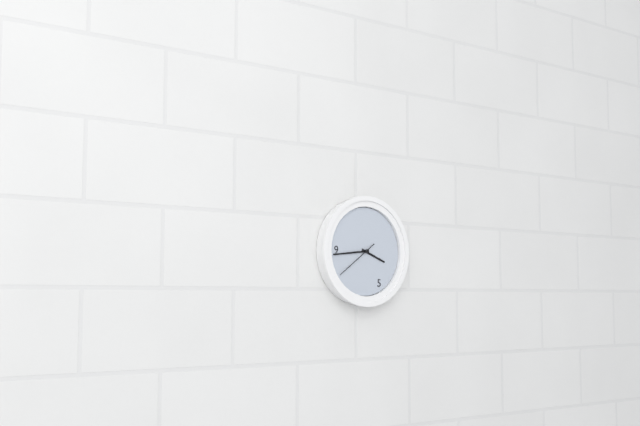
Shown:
3 h 44 min
